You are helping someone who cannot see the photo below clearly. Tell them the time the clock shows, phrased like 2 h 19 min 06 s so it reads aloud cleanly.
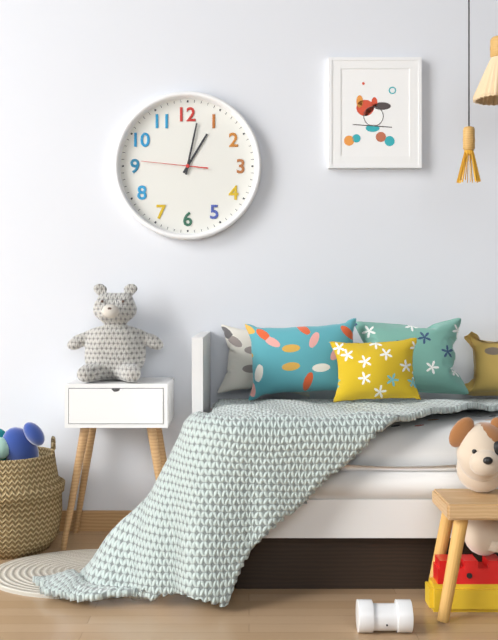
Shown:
1 h 02 min 46 s
